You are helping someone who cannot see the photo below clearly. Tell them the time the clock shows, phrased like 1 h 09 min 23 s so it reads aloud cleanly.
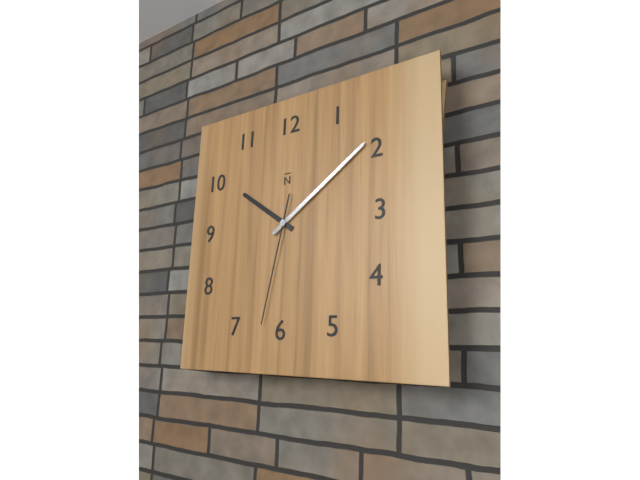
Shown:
10 h 09 min 32 s
